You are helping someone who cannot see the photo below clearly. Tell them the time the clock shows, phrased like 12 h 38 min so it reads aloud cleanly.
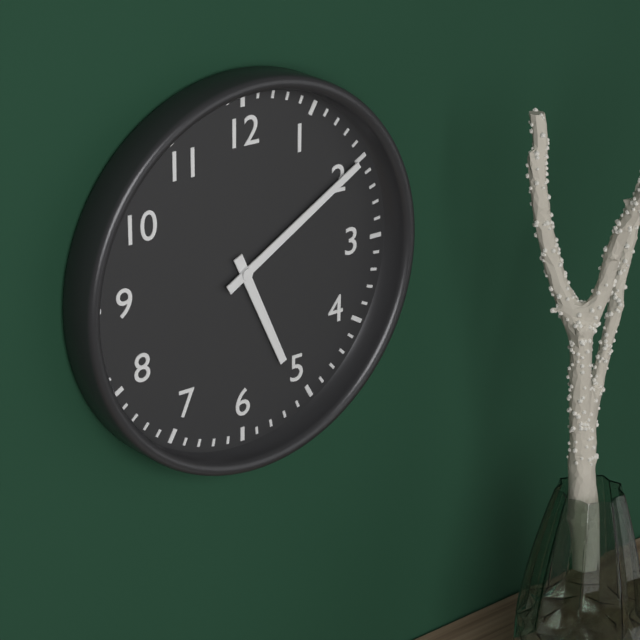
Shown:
5 h 10 min
